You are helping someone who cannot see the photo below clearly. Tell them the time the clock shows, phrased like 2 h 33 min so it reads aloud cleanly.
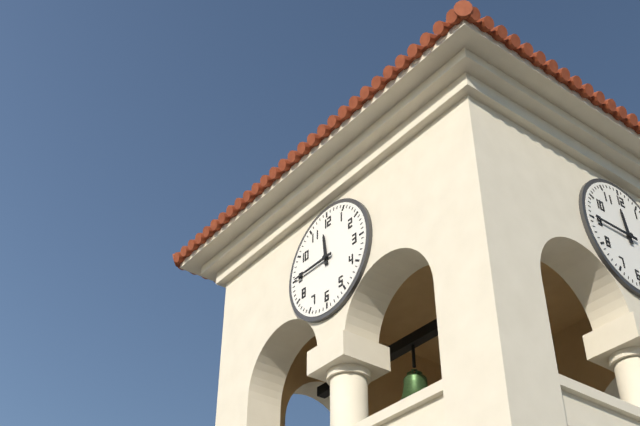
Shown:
11 h 45 min
